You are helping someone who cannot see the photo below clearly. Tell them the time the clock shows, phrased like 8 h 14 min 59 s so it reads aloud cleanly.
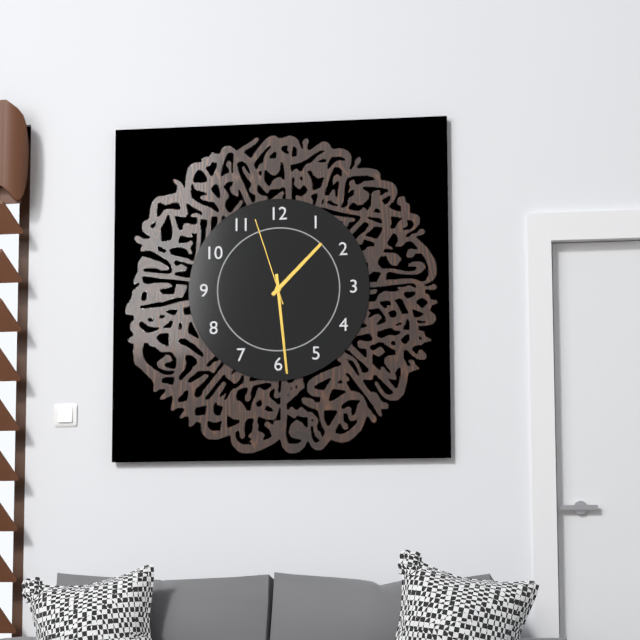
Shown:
1 h 29 min 57 s
